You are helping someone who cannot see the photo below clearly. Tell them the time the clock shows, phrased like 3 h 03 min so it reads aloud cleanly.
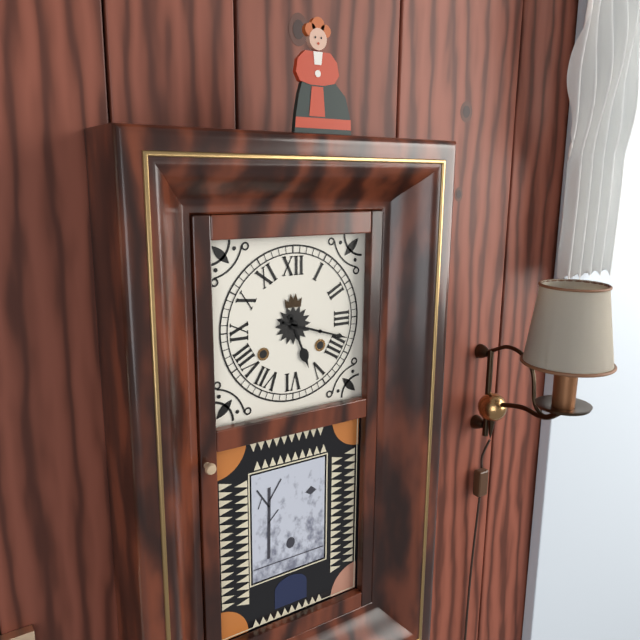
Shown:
5 h 18 min
